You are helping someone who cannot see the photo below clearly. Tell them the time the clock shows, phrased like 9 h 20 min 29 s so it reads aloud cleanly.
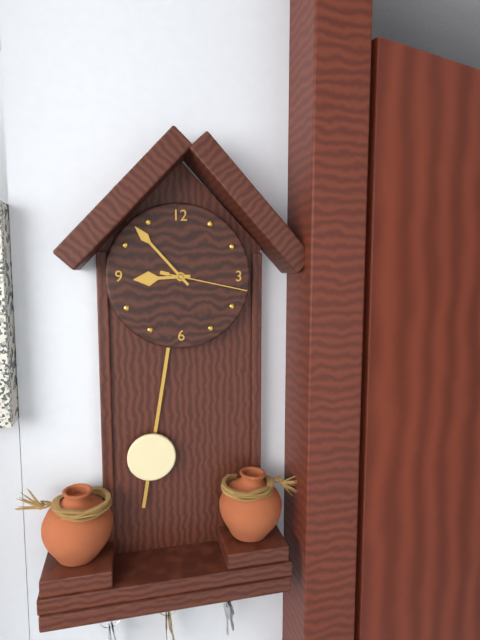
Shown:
8 h 53 min 17 s
